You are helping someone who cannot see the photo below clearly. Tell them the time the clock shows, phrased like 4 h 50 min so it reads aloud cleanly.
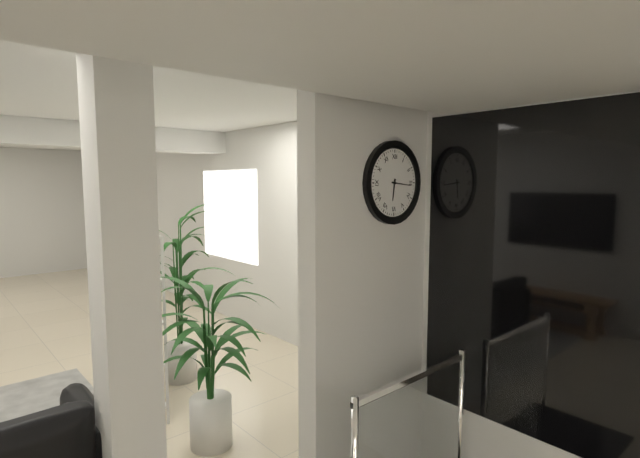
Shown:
6 h 16 min
